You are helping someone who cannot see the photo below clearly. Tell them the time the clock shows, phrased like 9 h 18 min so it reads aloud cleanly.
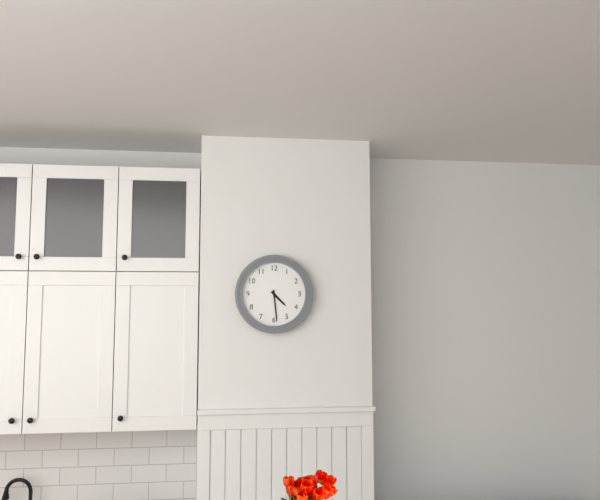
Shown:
4 h 29 min
